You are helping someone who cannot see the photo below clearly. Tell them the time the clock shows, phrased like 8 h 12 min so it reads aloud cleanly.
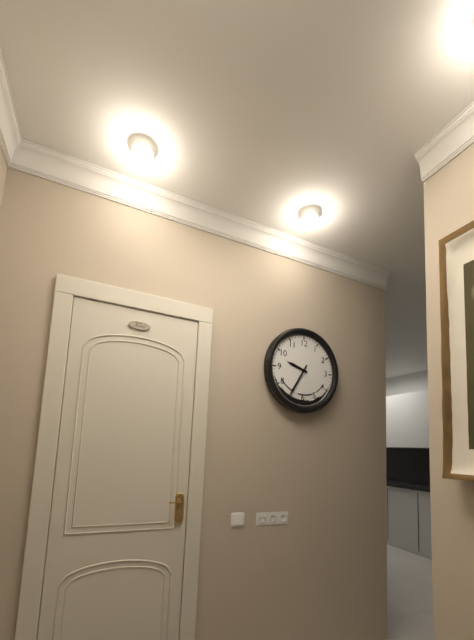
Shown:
9 h 35 min
